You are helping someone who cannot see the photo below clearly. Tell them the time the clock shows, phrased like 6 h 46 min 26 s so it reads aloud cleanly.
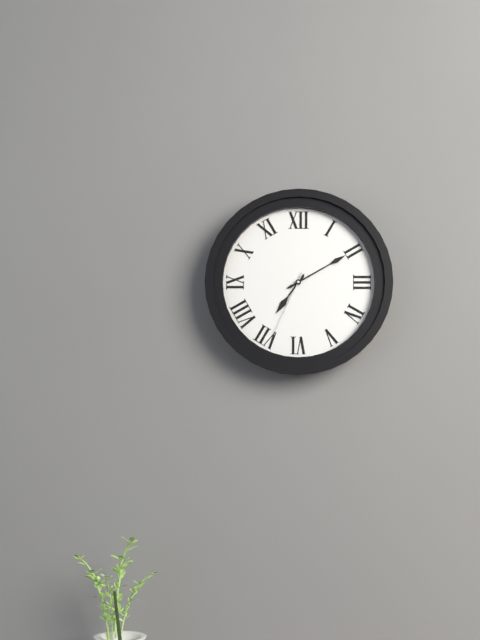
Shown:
7 h 10 min 34 s
